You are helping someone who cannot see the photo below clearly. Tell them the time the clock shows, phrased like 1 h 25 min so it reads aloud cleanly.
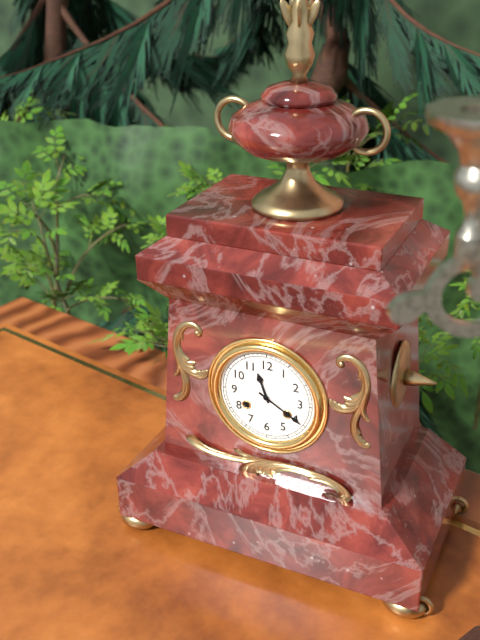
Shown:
11 h 20 min
